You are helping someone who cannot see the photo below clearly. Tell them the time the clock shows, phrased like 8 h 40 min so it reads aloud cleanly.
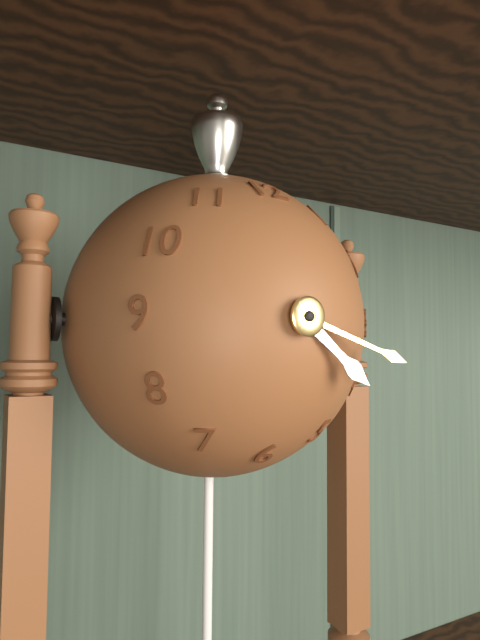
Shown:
4 h 18 min
